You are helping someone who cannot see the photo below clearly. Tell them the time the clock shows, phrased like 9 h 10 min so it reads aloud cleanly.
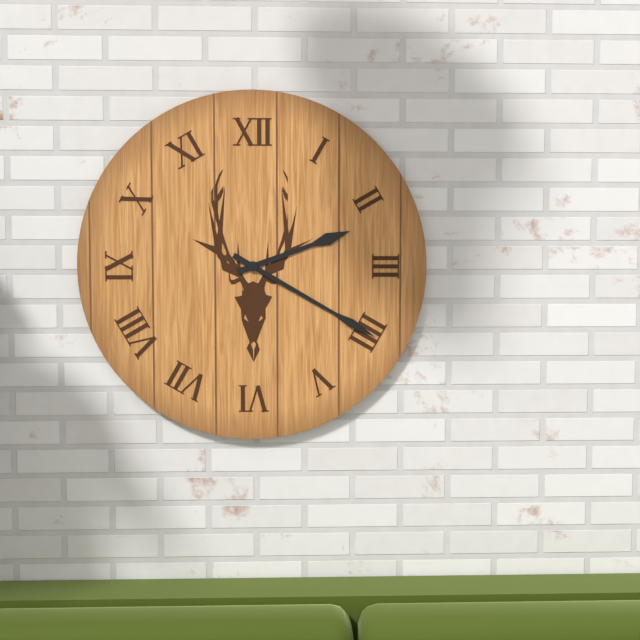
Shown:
2 h 20 min
